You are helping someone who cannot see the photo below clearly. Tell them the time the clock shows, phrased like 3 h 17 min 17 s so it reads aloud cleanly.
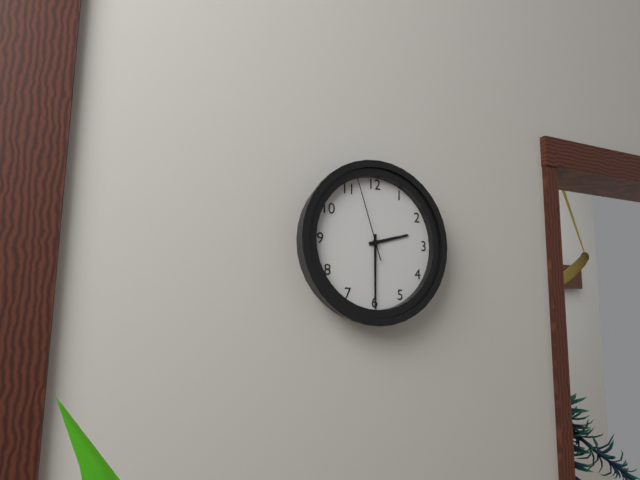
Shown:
2 h 30 min 57 s
